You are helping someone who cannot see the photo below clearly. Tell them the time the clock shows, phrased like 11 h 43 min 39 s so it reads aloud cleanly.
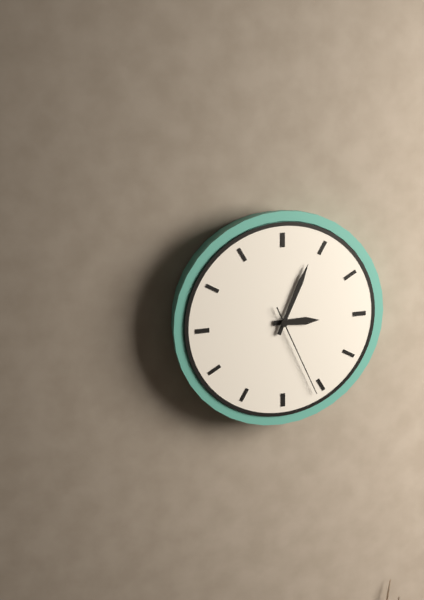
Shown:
3 h 04 min 26 s
